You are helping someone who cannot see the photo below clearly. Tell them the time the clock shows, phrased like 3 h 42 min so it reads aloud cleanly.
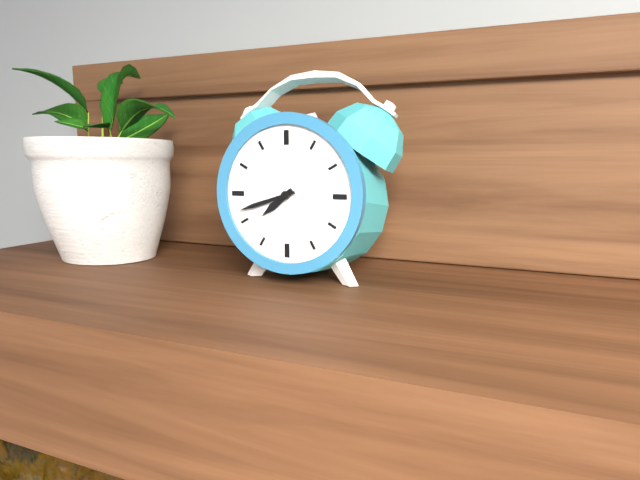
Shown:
7 h 42 min
